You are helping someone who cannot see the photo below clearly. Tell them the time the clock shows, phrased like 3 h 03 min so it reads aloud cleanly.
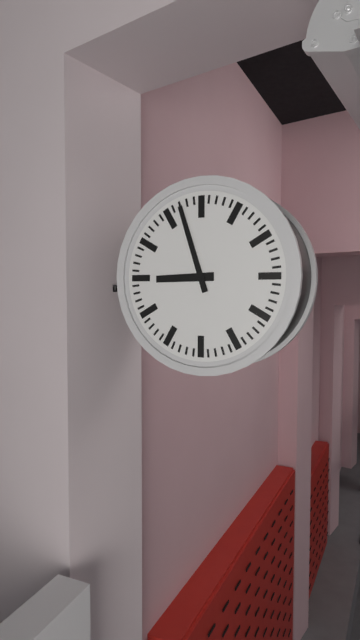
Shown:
8 h 57 min
